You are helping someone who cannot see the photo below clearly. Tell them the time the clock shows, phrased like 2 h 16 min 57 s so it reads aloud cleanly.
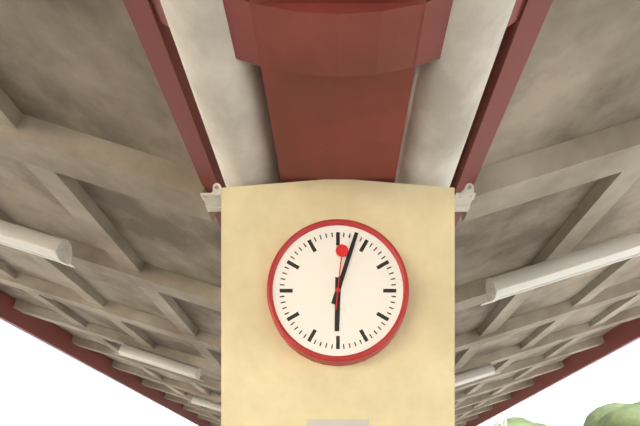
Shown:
6 h 03 min 01 s
